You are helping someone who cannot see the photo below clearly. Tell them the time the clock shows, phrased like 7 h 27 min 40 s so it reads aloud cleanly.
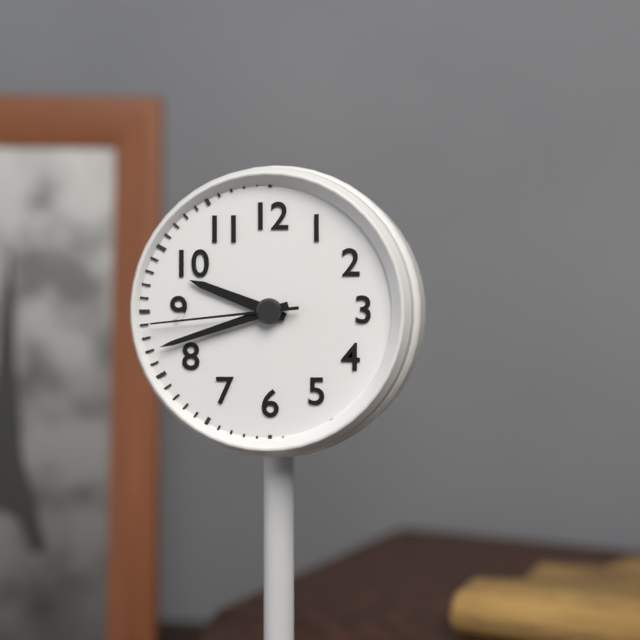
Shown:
9 h 42 min 44 s
